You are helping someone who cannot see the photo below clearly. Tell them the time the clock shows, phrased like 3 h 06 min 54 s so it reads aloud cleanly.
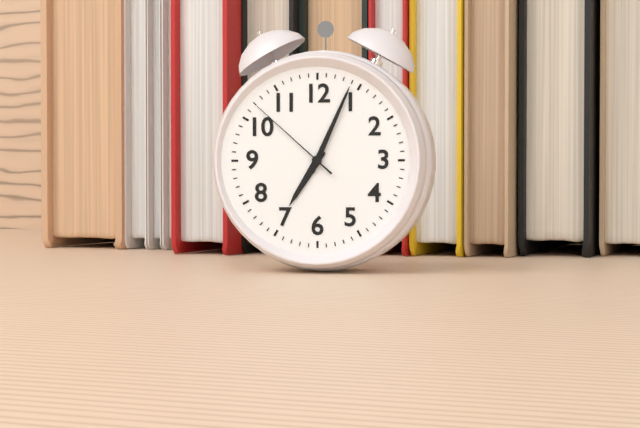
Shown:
7 h 04 min 52 s
